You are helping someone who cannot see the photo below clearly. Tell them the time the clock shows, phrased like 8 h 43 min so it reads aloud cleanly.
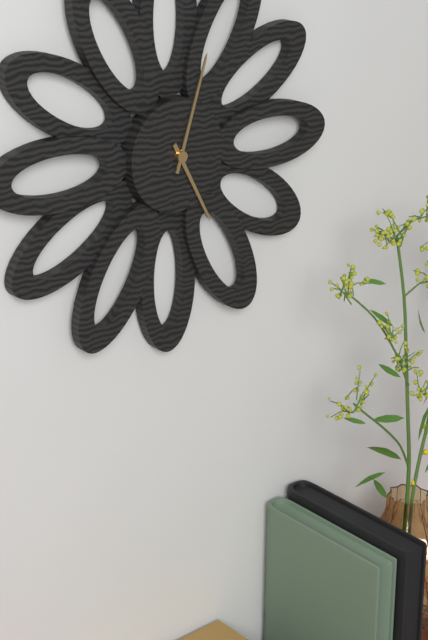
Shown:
5 h 03 min
